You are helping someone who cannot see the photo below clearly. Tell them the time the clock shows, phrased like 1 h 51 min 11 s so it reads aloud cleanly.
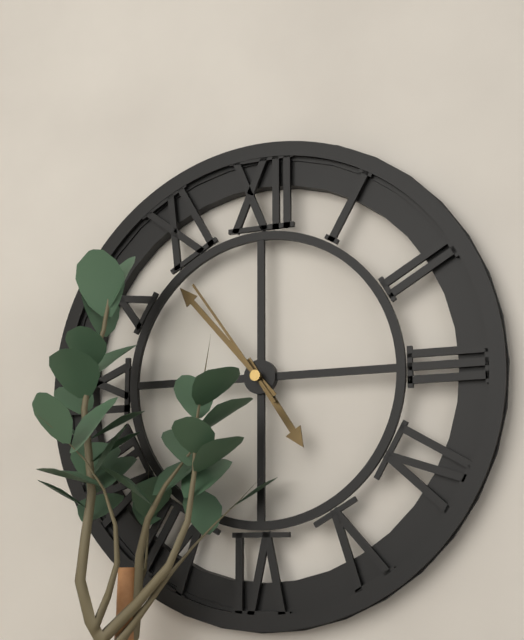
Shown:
4 h 53 min 54 s
